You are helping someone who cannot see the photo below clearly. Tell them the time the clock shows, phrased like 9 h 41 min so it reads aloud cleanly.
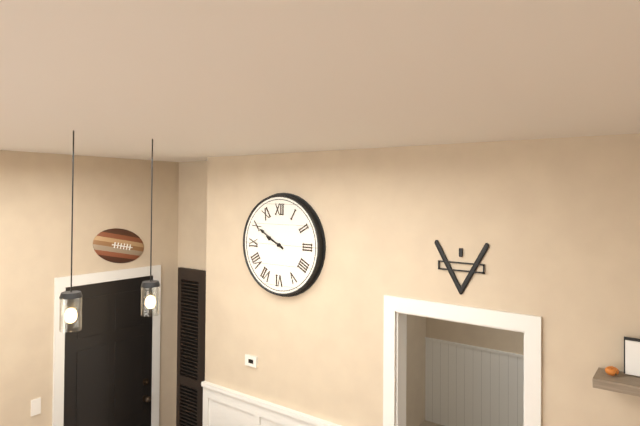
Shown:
9 h 50 min
